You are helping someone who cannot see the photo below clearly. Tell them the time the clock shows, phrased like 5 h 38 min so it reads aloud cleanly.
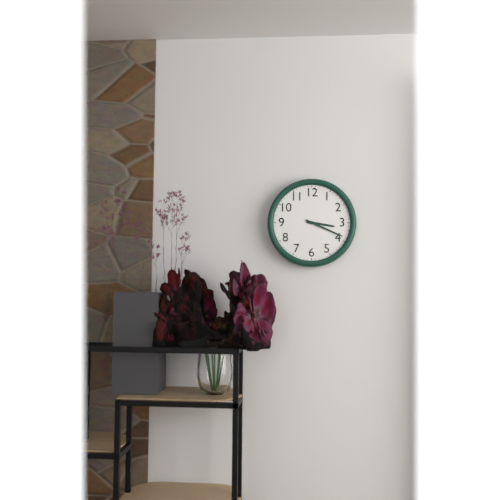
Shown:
3 h 19 min
